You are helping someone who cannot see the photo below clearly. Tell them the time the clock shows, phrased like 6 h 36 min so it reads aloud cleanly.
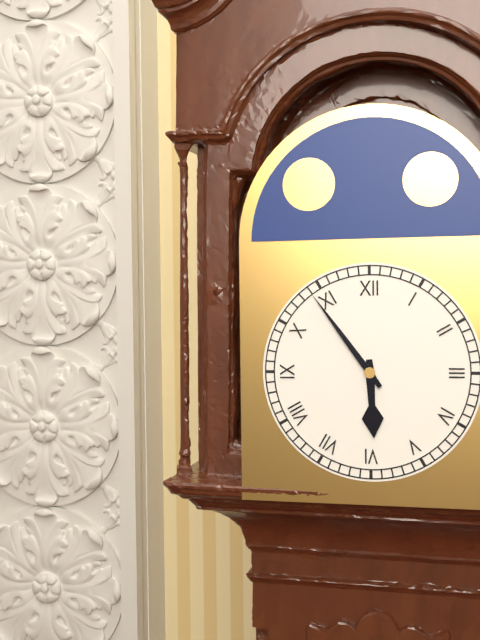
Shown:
5 h 54 min
